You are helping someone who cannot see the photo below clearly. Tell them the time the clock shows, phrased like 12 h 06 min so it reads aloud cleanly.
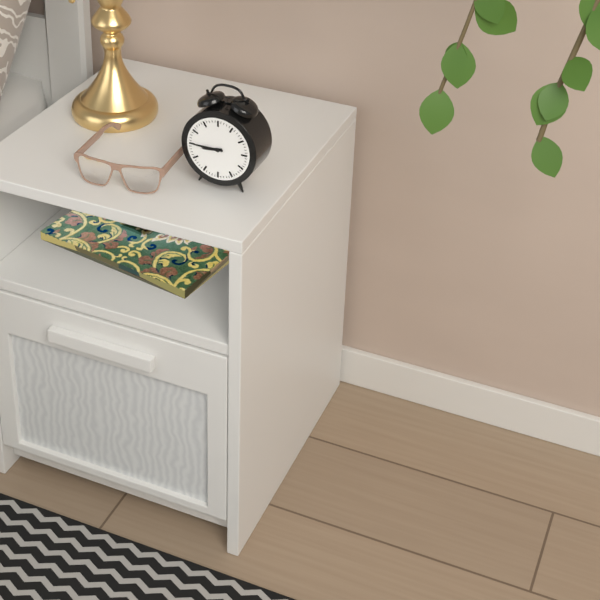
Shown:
8 h 45 min
